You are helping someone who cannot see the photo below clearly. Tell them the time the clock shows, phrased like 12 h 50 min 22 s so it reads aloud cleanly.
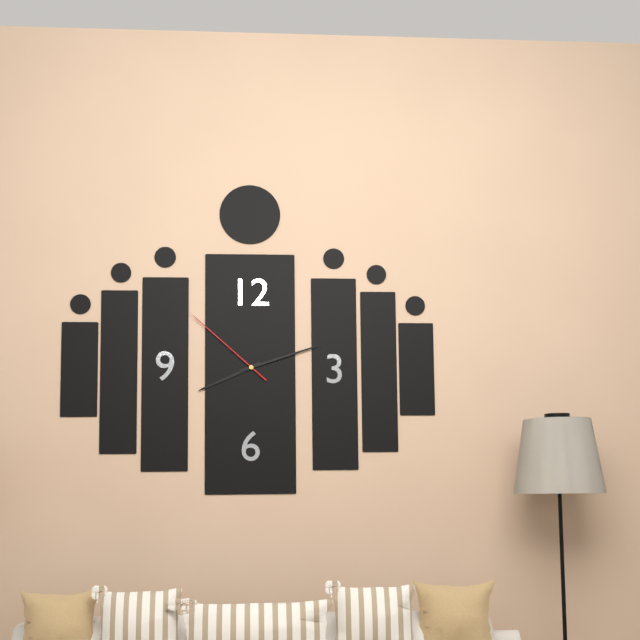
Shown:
8 h 12 min 52 s
